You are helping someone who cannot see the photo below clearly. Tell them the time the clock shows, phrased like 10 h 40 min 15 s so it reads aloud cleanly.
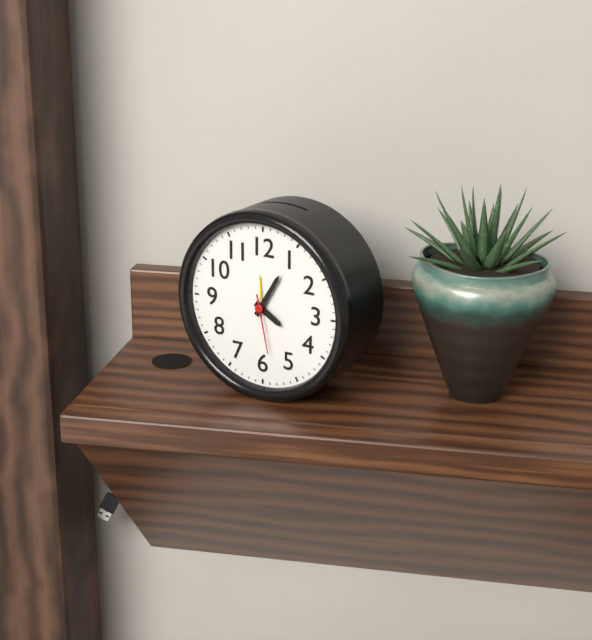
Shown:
4 h 05 min 28 s
